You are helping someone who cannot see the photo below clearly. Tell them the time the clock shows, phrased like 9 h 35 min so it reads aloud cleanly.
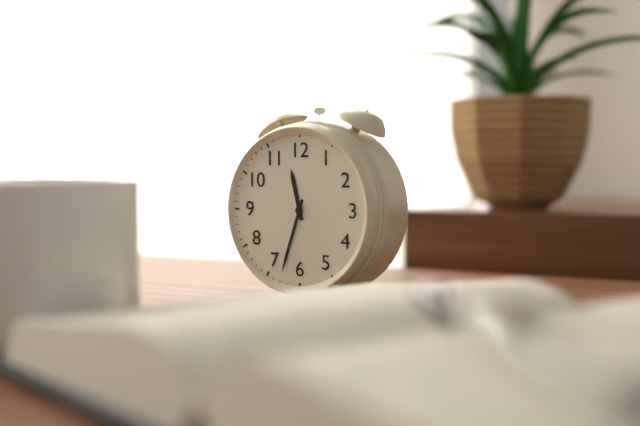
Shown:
11 h 33 min
